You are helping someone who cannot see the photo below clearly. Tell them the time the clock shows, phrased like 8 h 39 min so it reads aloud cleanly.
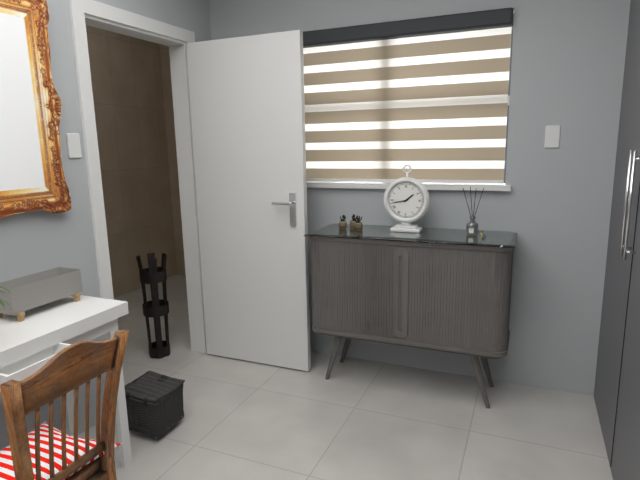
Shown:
1 h 43 min
